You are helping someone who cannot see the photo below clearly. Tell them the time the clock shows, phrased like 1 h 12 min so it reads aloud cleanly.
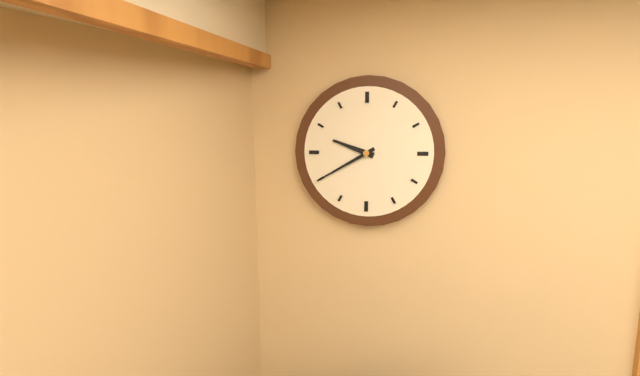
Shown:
9 h 40 min
